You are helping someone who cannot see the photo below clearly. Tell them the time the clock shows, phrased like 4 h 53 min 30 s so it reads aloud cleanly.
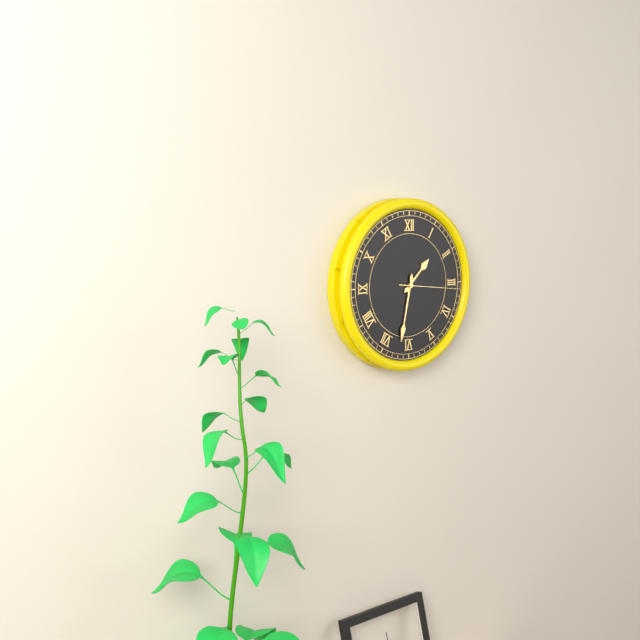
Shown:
1 h 32 min 16 s
